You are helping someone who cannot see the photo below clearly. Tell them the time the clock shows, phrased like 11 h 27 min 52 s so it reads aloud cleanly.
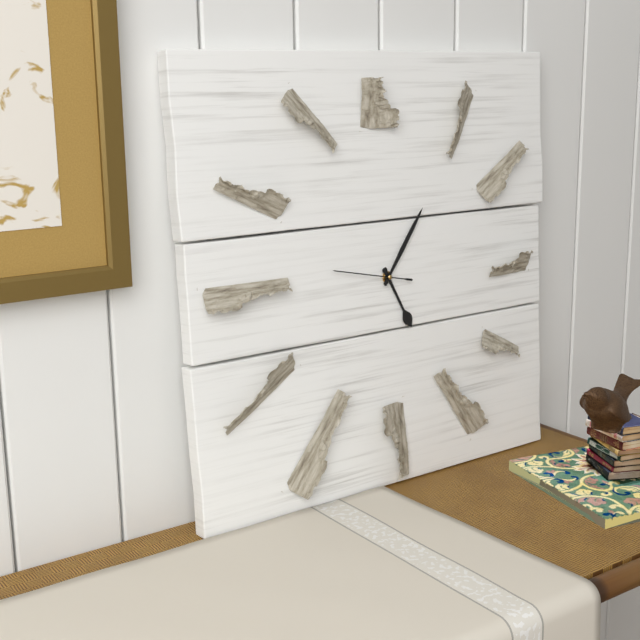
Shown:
5 h 06 min 47 s
